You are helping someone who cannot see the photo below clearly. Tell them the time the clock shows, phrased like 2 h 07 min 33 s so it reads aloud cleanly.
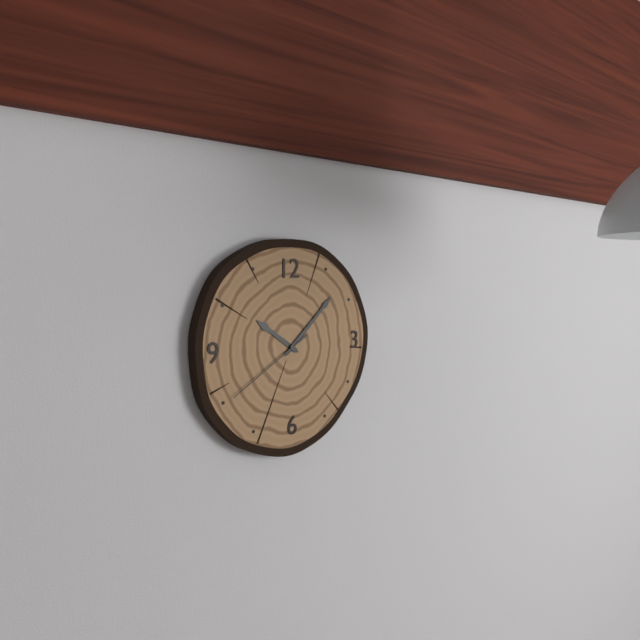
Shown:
10 h 08 min 40 s
